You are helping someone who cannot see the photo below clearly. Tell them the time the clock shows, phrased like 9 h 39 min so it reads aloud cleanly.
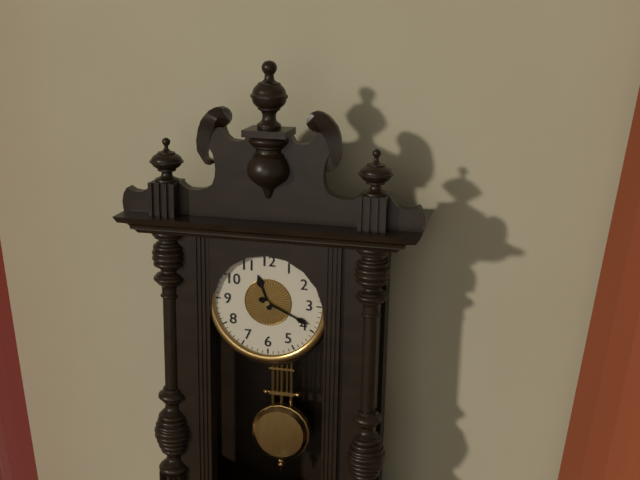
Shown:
11 h 19 min
